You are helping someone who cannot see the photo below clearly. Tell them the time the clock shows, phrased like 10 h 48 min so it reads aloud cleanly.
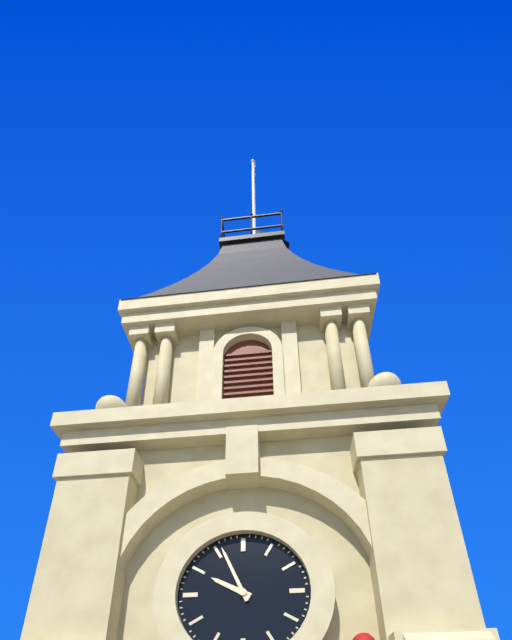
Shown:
9 h 56 min
